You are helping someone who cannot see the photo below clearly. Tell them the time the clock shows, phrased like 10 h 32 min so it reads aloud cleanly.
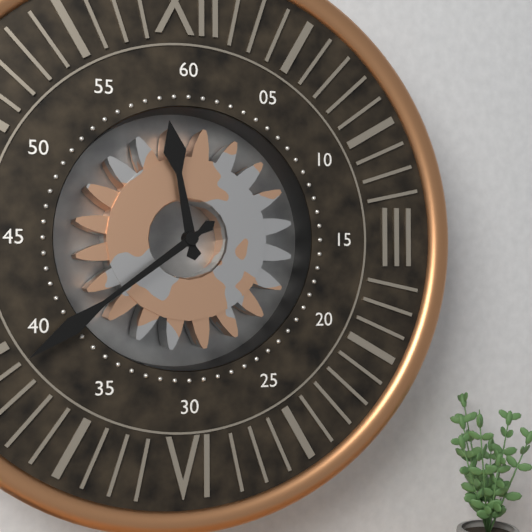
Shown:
11 h 39 min
